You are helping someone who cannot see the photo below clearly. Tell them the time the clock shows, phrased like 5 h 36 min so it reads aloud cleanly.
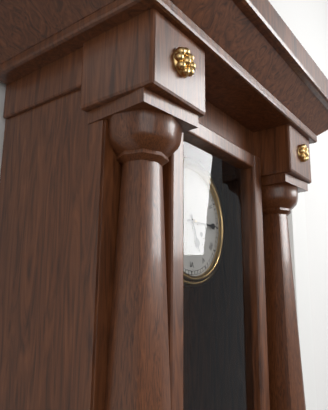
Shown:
5 h 15 min
